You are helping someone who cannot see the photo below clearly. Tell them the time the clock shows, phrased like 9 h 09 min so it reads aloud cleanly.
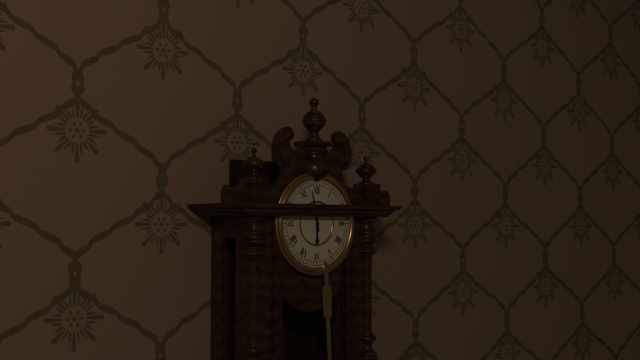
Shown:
5 h 58 min
